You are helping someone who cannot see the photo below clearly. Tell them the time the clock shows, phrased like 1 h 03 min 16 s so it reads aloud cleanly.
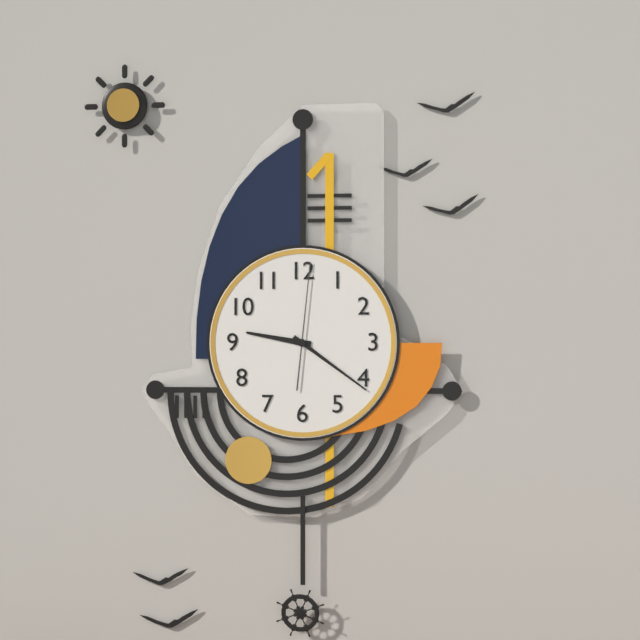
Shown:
9 h 21 min 01 s
